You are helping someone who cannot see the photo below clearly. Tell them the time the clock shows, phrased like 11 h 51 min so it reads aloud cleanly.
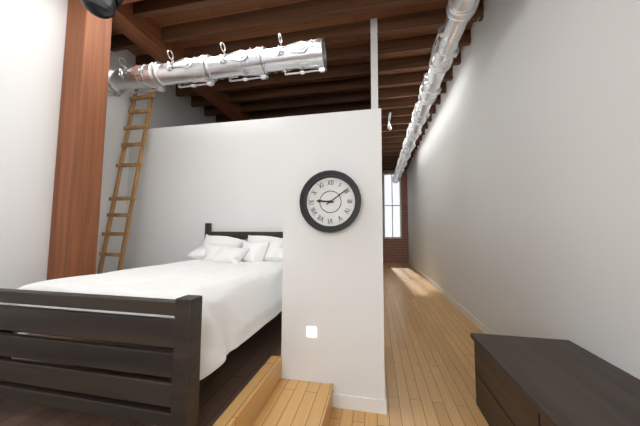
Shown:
9 h 09 min
